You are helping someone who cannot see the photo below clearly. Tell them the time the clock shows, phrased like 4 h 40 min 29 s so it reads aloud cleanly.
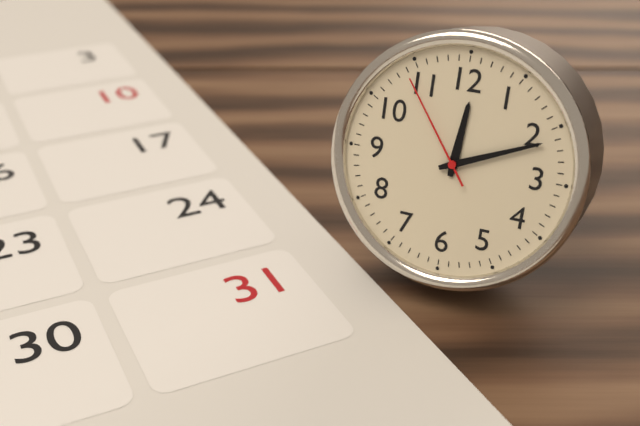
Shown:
12 h 11 min 54 s
